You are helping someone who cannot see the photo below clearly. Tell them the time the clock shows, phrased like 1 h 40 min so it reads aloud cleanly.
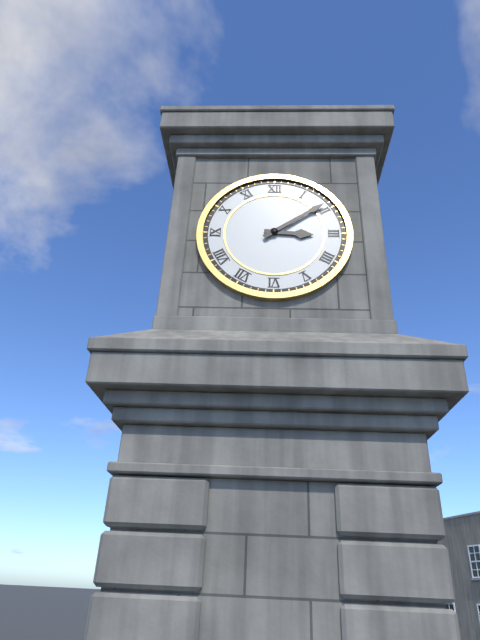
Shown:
3 h 09 min
